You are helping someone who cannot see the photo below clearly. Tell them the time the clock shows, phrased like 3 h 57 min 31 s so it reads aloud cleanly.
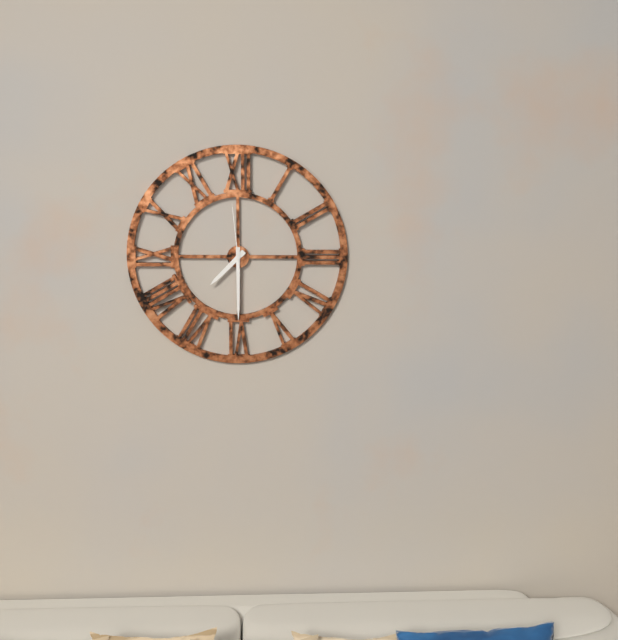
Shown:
7 h 30 min 59 s
